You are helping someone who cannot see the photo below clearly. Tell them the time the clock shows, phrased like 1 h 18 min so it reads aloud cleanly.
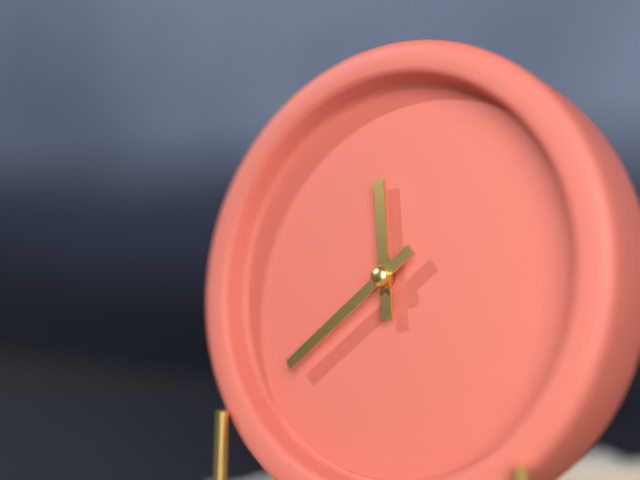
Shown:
11 h 38 min
